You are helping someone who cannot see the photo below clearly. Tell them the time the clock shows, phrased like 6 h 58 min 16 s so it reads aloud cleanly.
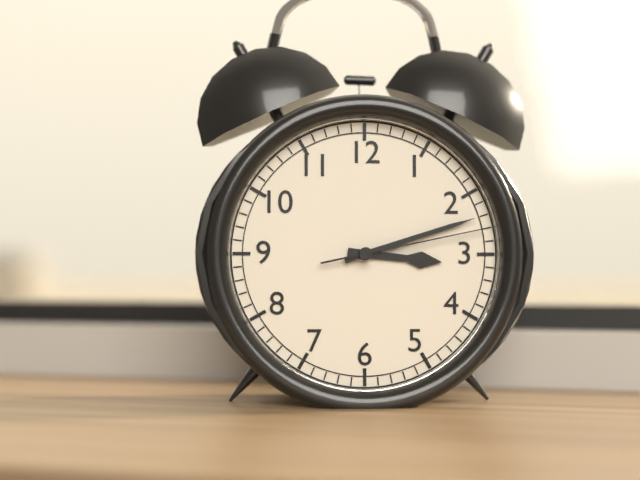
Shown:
3 h 12 min 13 s
